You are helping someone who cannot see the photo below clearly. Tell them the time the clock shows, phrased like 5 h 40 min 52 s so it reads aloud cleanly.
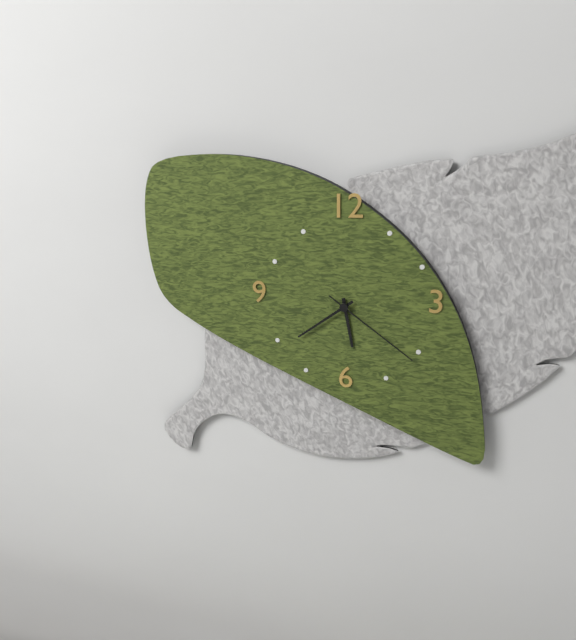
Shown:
5 h 39 min 21 s
